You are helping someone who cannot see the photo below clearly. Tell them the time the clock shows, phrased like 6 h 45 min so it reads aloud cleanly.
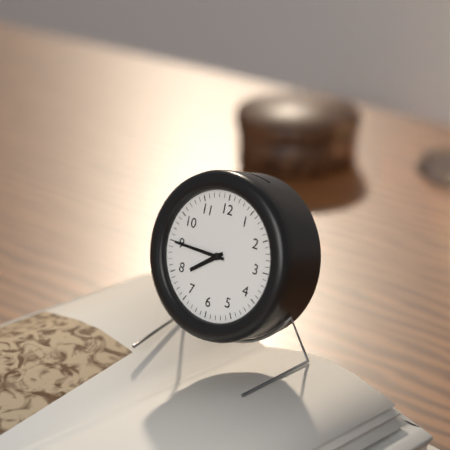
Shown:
7 h 45 min
